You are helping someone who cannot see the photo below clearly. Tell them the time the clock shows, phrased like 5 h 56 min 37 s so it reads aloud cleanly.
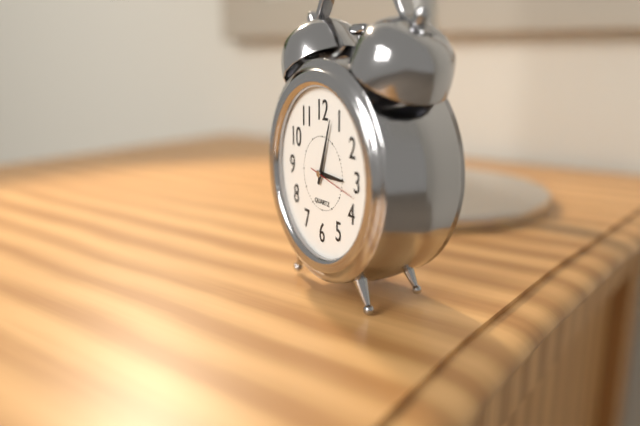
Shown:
3 h 03 min 17 s
